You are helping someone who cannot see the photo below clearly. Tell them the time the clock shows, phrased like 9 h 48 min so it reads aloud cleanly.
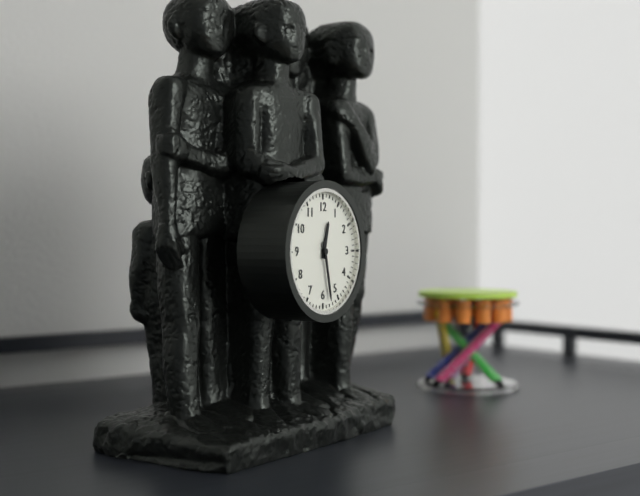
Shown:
12 h 28 min
